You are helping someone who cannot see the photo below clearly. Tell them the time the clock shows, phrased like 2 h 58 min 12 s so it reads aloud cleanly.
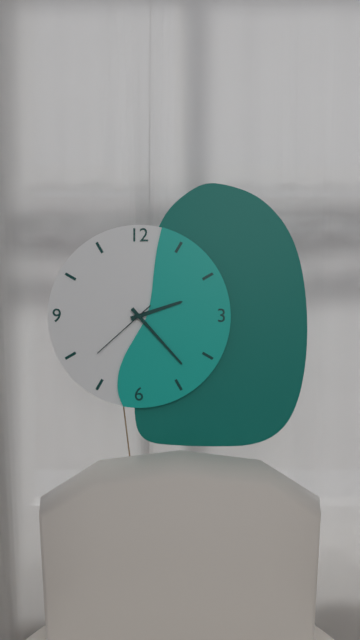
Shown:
2 h 23 min 38 s
